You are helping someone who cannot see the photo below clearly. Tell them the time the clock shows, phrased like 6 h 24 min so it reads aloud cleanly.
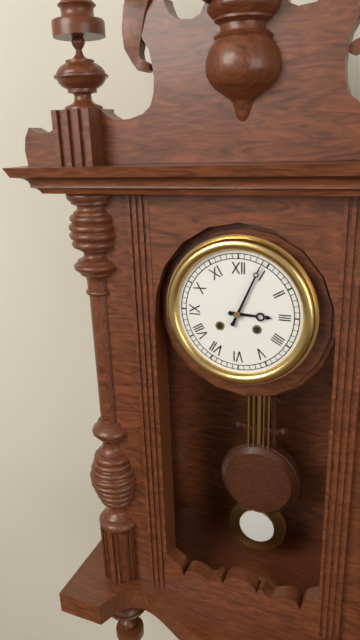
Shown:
3 h 04 min
